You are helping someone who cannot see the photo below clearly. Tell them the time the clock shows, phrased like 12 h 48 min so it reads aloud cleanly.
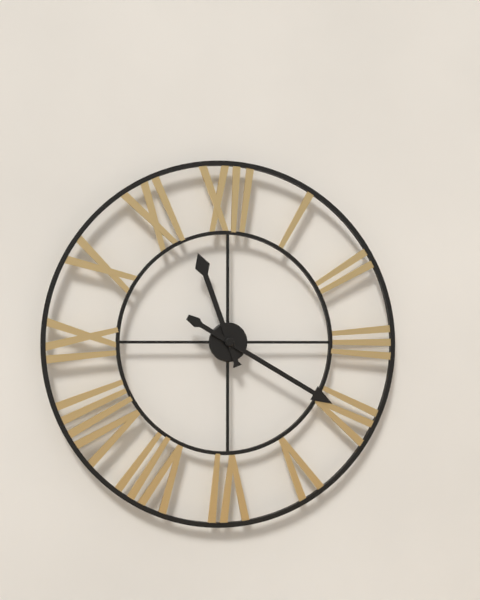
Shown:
11 h 20 min
